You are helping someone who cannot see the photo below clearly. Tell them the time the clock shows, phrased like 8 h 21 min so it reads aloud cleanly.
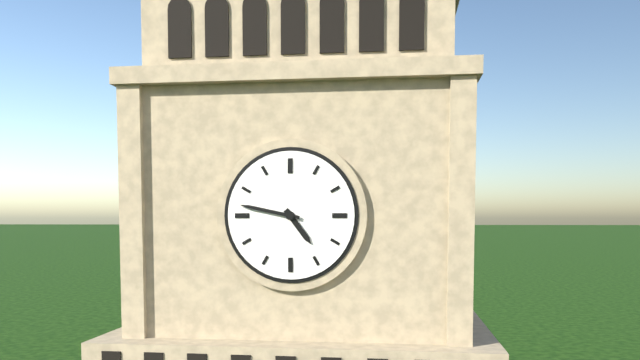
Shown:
4 h 47 min
